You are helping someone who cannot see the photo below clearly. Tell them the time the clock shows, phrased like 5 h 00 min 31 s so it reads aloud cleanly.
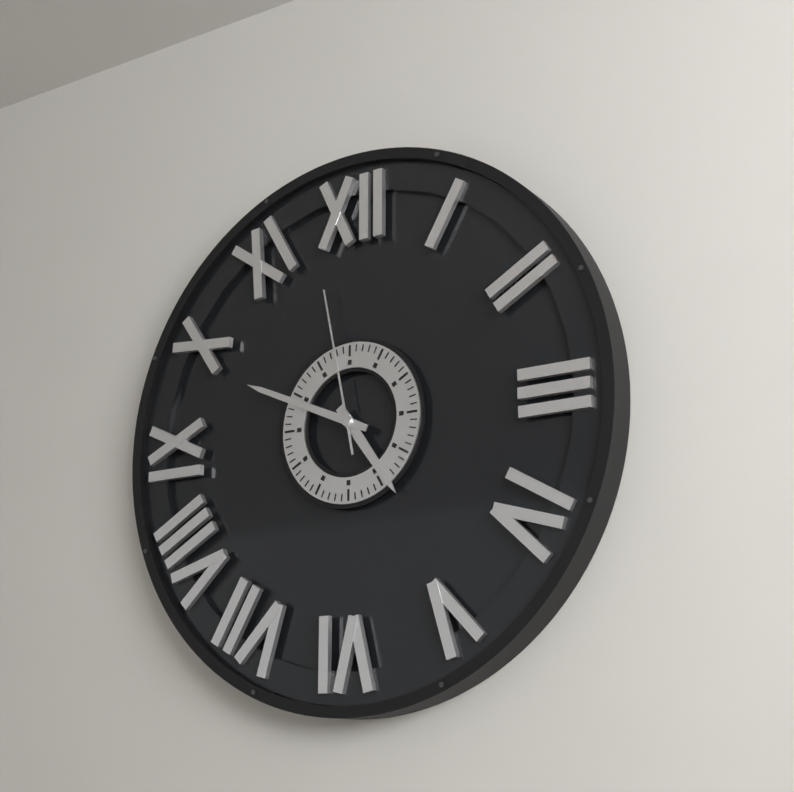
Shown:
4 h 49 min 58 s
